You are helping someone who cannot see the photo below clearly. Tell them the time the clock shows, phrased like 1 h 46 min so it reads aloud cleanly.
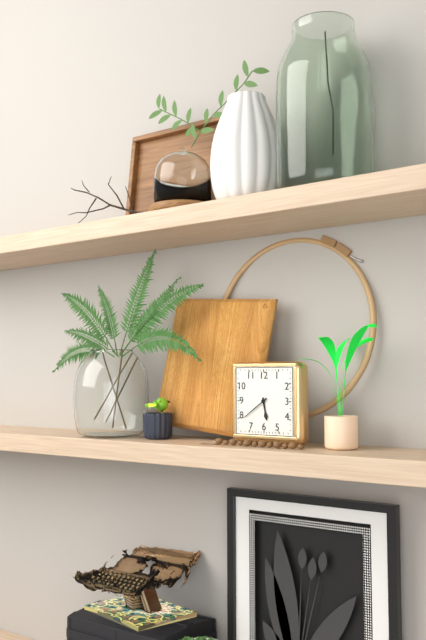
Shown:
5 h 39 min
